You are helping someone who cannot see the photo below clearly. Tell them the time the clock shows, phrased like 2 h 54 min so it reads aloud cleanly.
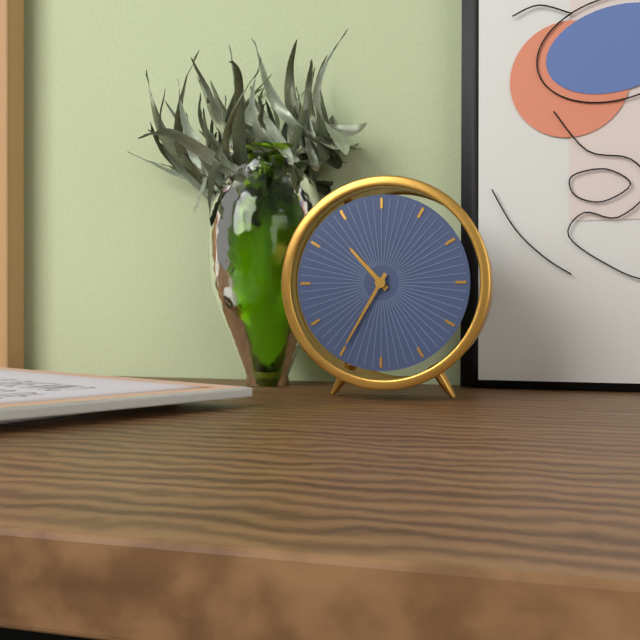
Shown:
10 h 35 min
